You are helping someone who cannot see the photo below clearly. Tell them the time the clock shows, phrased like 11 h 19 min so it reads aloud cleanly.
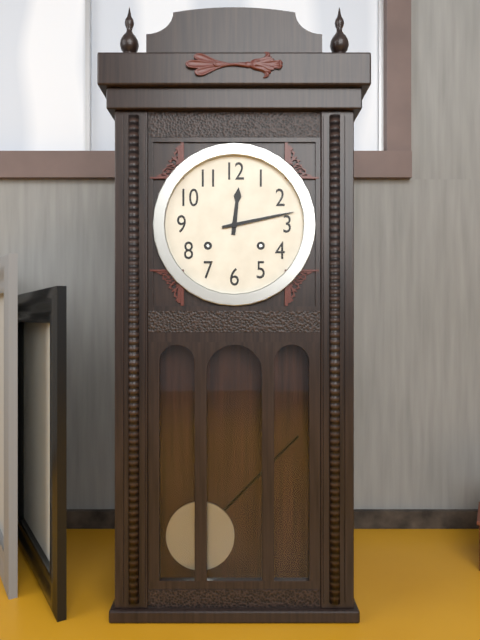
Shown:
12 h 13 min
